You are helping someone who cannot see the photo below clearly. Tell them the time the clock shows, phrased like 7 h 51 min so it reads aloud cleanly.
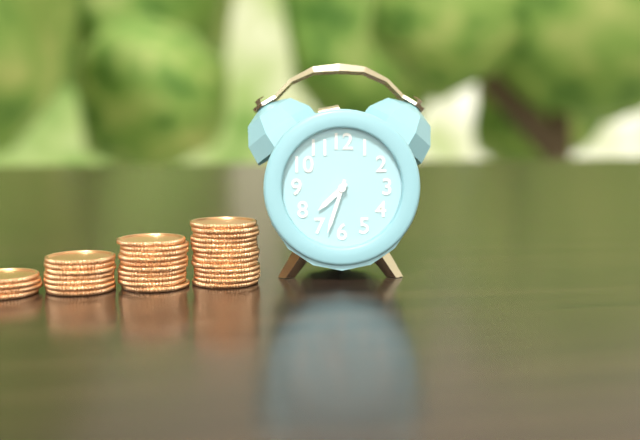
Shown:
7 h 33 min
